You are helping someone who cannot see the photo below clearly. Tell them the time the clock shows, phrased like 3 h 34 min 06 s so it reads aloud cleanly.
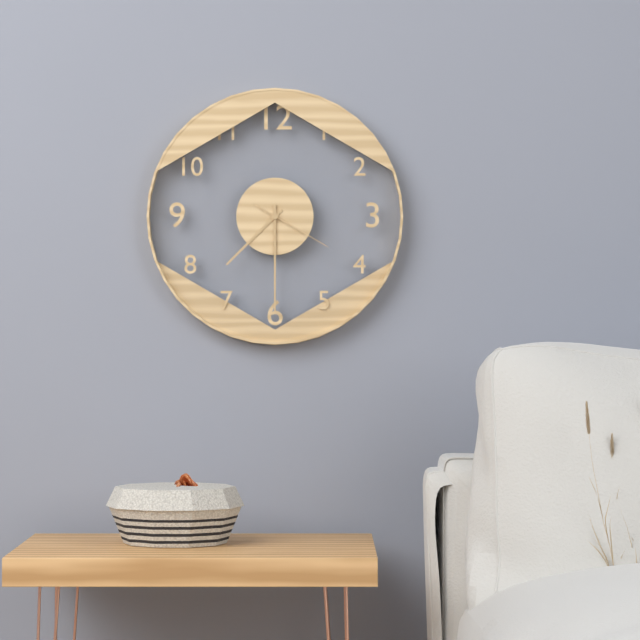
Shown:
7 h 30 min 20 s
